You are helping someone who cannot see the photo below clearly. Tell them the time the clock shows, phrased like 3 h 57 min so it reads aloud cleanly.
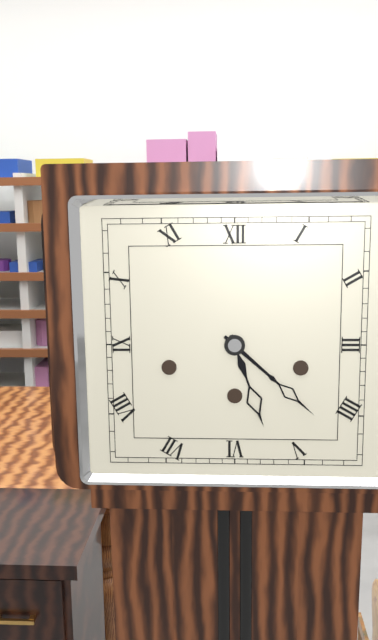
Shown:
5 h 22 min
